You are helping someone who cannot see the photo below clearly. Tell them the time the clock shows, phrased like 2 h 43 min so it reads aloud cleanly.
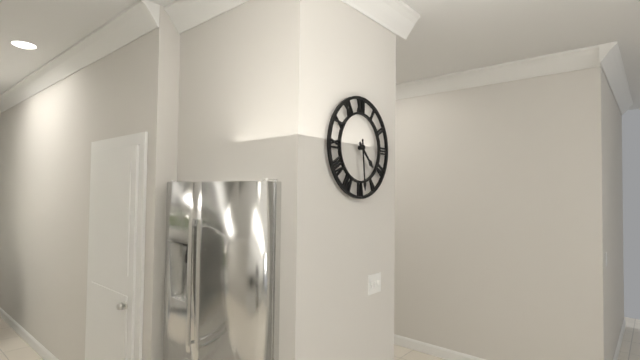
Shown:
4 h 29 min
